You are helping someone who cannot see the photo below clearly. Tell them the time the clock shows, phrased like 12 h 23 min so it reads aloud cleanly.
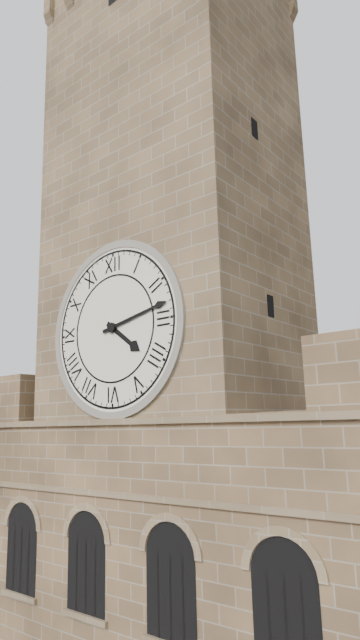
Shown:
4 h 13 min
